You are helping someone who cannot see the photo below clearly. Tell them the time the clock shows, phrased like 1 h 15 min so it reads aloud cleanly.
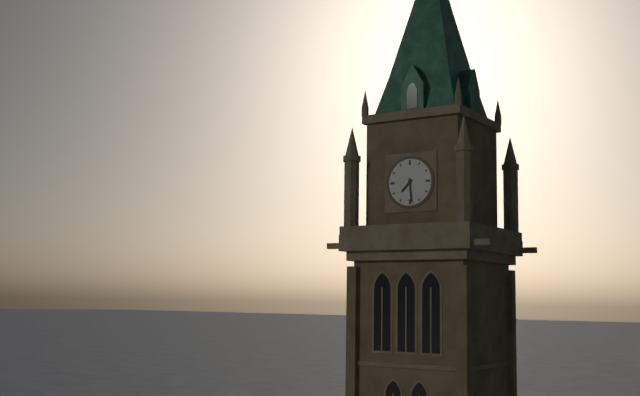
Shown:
7 h 29 min
